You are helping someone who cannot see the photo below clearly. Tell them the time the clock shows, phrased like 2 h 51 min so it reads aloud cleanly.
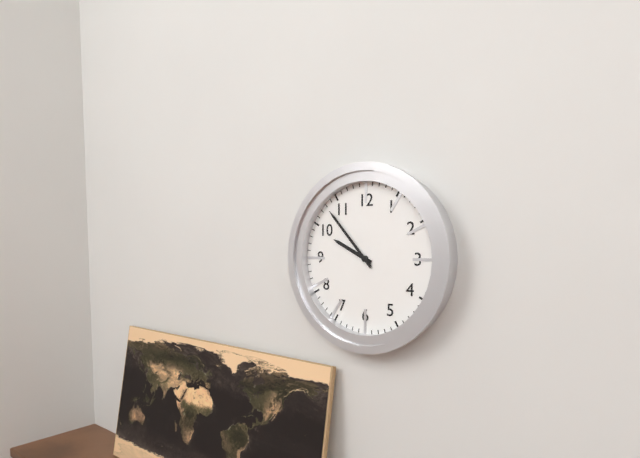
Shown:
9 h 53 min
